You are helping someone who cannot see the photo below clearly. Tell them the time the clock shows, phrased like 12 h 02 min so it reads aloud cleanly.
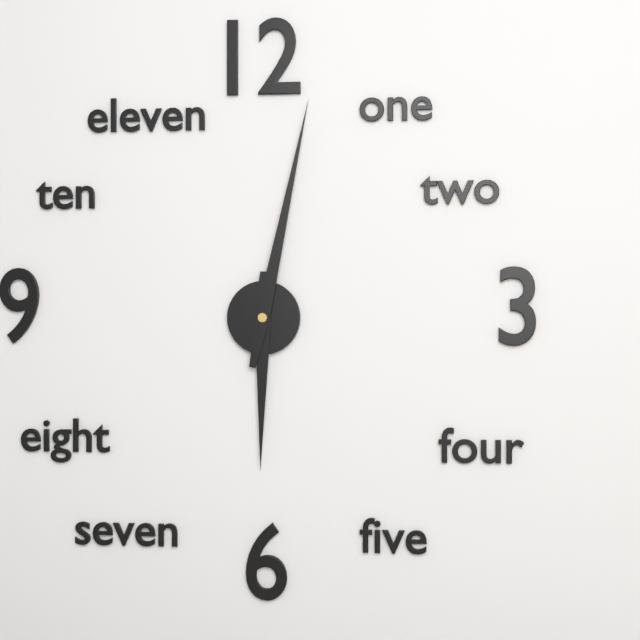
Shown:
6 h 02 min
